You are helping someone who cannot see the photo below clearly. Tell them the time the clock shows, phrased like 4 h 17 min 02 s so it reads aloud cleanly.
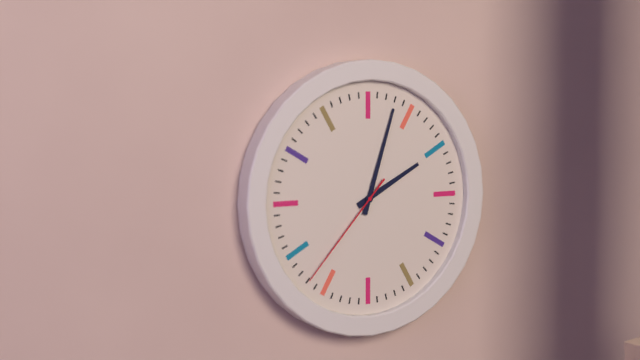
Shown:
2 h 03 min 37 s
